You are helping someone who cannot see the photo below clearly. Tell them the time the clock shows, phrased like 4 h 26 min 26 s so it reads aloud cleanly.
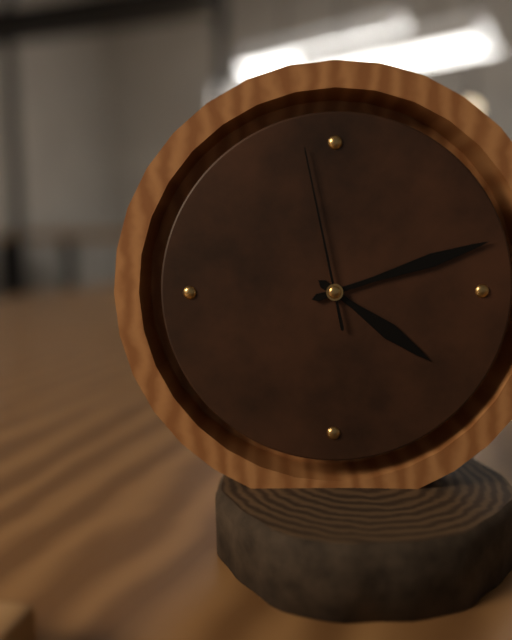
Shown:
4 h 12 min 58 s
